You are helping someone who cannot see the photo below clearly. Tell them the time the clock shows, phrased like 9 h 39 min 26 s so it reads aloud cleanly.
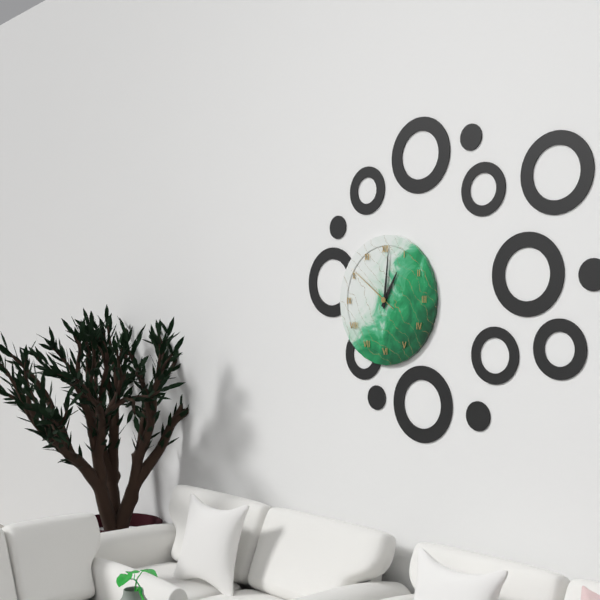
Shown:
1 h 01 min 51 s
